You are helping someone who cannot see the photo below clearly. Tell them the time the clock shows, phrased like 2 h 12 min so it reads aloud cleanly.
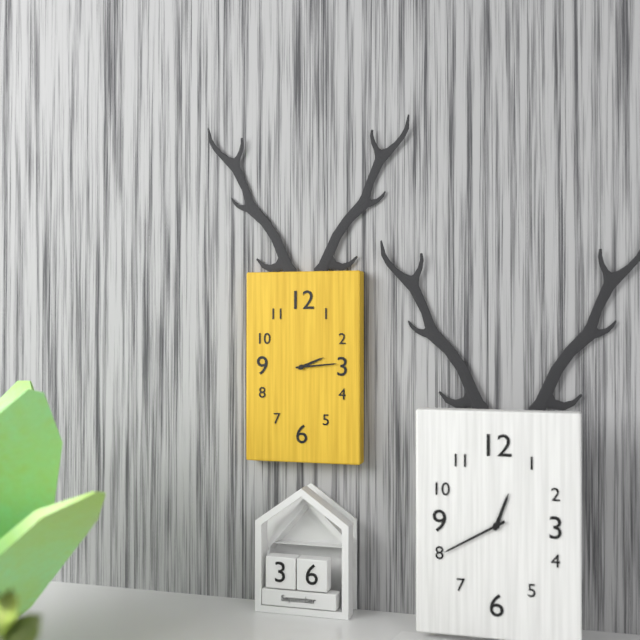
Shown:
2 h 14 min
